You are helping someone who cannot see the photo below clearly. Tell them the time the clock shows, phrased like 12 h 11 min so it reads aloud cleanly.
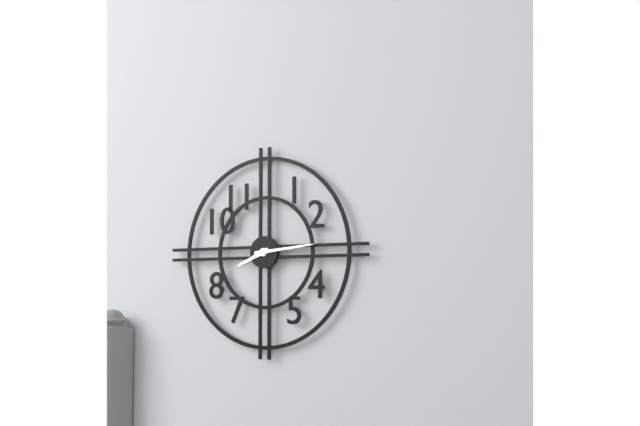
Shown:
8 h 14 min
